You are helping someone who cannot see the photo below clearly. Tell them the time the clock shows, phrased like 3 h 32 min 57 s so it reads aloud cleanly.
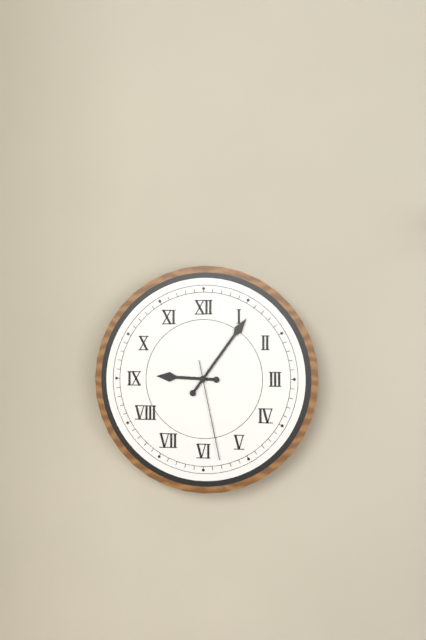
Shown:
9 h 06 min 28 s
